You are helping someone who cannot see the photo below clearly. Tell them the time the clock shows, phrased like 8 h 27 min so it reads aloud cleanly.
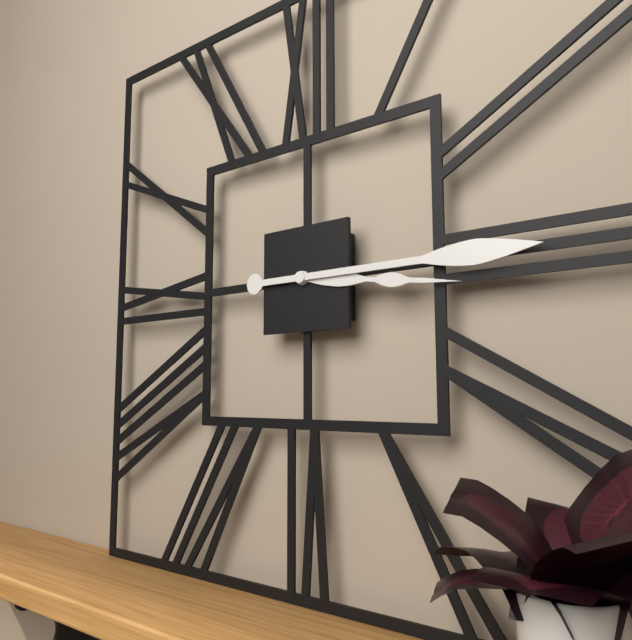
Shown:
3 h 15 min
